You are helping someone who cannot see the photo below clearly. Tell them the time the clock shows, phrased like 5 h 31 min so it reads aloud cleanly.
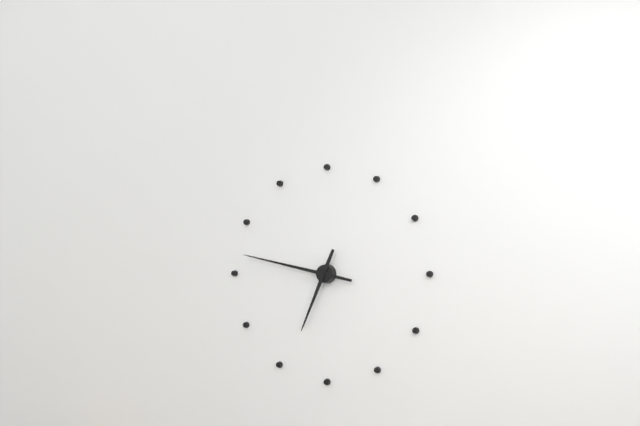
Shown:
6 h 47 min
